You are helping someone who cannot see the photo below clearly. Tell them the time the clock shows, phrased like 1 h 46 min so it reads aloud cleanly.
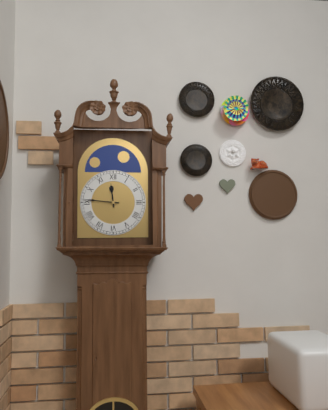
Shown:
11 h 46 min
